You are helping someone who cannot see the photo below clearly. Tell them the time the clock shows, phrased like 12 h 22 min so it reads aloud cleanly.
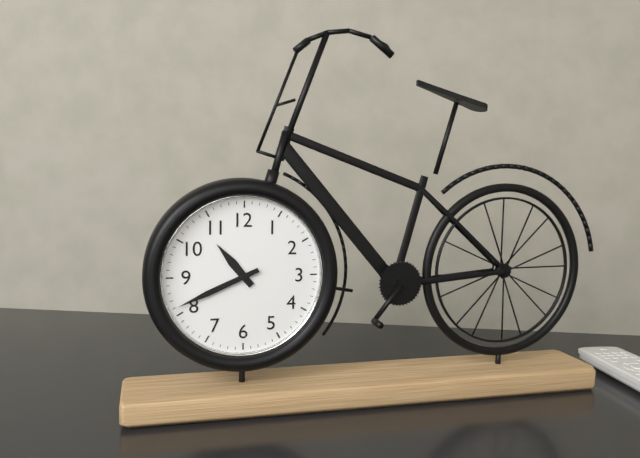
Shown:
10 h 41 min
